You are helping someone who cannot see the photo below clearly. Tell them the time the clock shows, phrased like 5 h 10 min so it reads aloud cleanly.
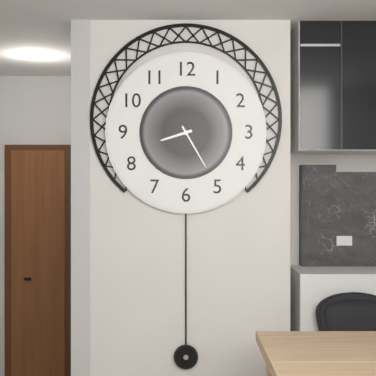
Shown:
8 h 25 min
